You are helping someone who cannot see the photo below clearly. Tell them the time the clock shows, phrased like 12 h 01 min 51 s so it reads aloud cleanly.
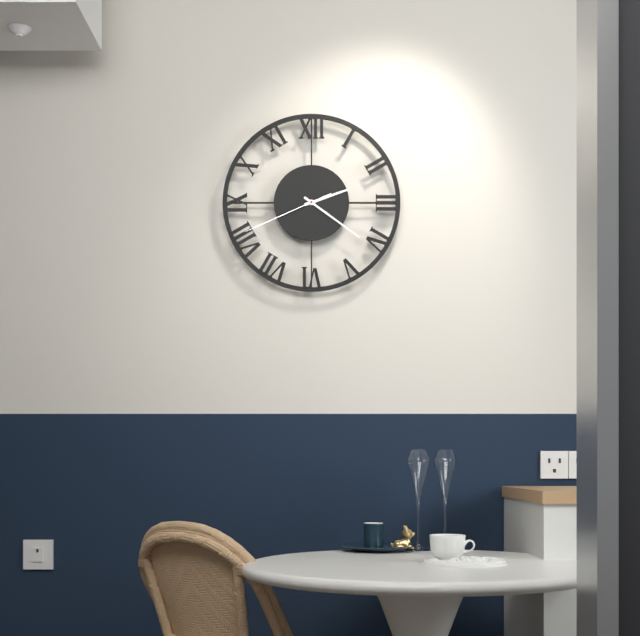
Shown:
2 h 21 min 41 s
